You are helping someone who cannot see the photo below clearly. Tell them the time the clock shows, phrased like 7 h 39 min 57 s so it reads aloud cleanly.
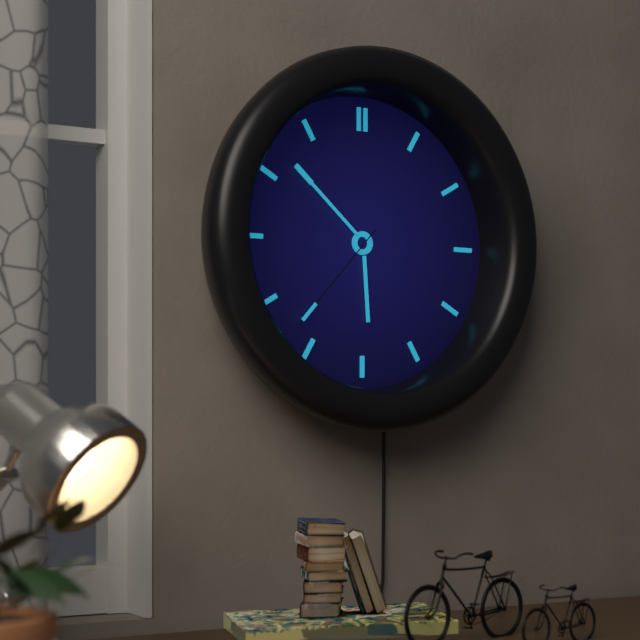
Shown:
5 h 52 min 37 s
